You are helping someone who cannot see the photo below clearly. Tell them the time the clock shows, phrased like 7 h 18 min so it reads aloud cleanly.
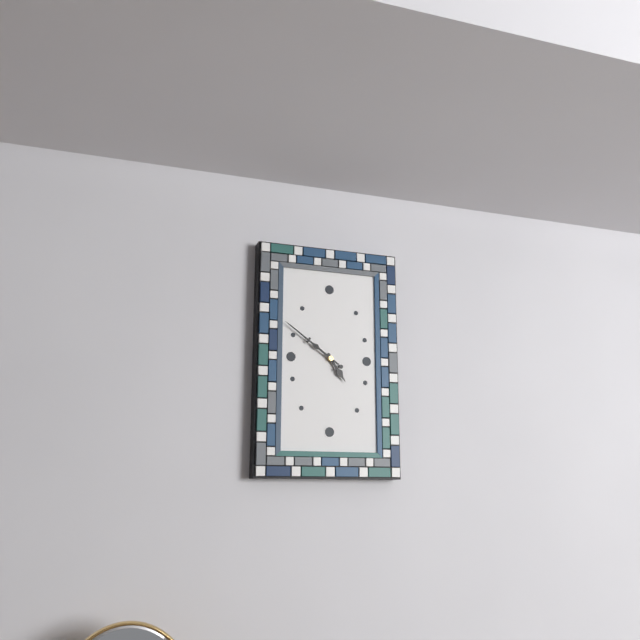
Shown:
4 h 51 min
